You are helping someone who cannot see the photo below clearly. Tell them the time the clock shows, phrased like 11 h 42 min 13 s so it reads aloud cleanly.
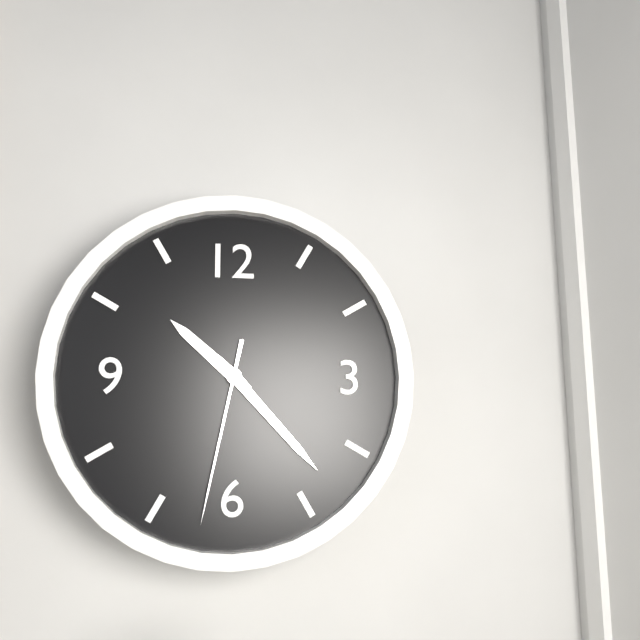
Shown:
10 h 23 min 32 s
